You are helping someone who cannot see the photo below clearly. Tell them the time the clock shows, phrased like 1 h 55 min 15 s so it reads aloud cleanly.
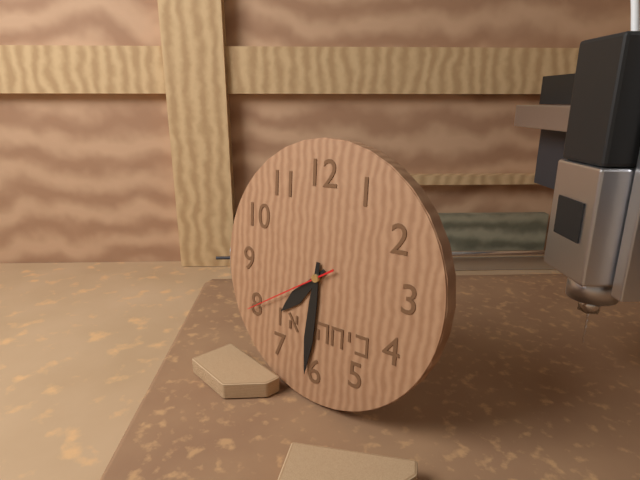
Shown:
7 h 31 min 40 s
